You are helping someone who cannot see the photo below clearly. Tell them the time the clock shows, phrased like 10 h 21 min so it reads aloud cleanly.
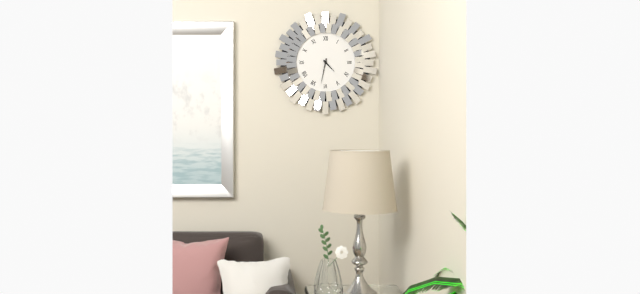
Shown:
4 h 32 min
